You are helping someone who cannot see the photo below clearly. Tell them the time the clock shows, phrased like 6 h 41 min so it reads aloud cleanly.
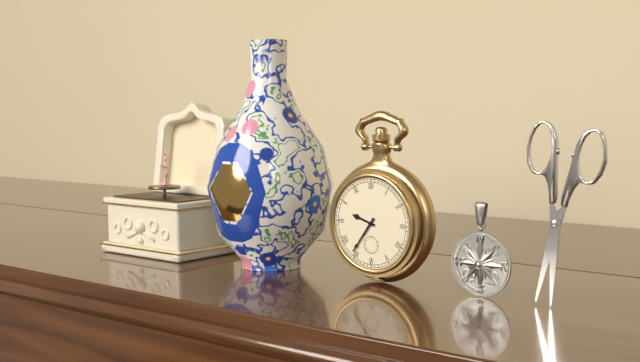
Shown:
9 h 36 min
